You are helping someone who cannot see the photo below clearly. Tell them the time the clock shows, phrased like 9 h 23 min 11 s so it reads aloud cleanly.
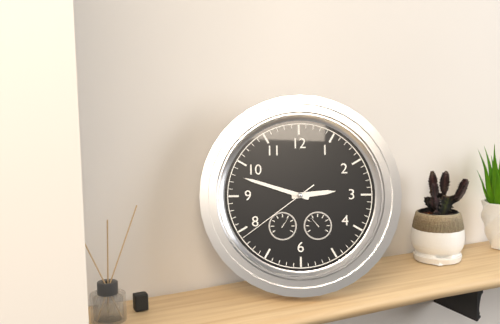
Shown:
2 h 48 min 39 s
